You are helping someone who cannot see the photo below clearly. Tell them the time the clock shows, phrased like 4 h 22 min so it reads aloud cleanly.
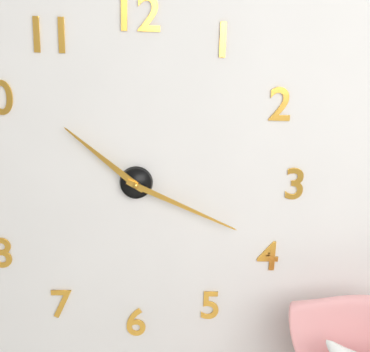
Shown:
10 h 19 min
